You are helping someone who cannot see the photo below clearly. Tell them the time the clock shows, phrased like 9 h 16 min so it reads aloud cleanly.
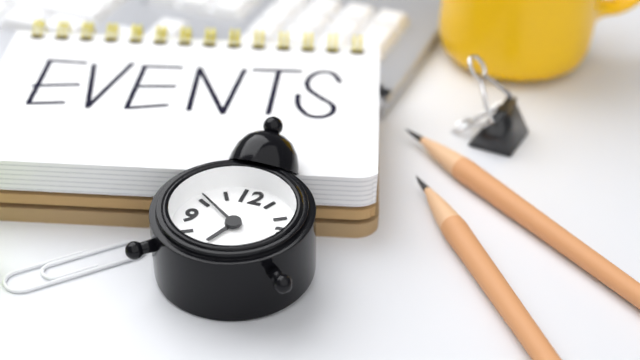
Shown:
6 h 51 min
